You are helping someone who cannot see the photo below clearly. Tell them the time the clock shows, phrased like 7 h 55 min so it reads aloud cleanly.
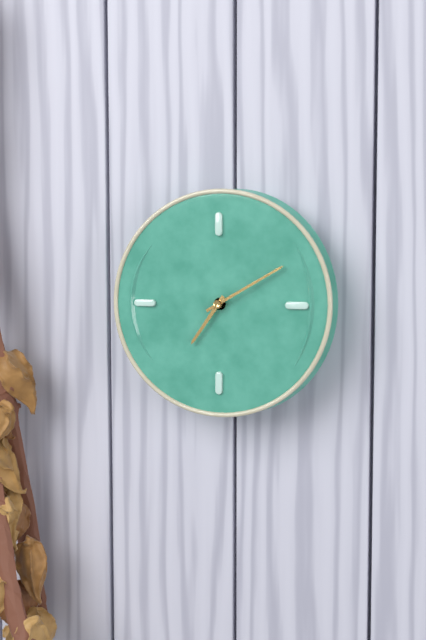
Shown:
7 h 10 min
